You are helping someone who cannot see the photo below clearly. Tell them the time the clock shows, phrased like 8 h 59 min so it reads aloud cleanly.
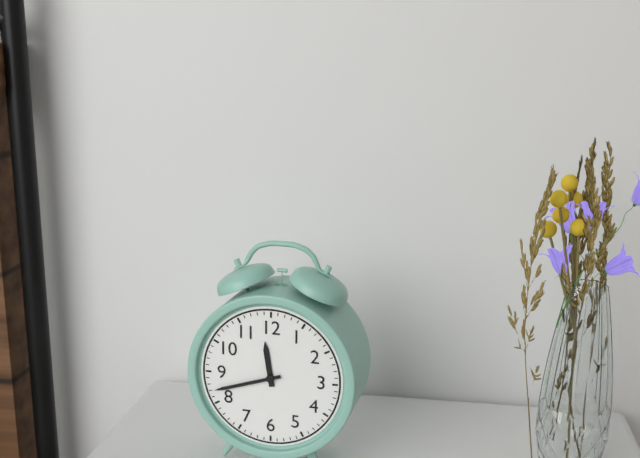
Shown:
11 h 42 min
